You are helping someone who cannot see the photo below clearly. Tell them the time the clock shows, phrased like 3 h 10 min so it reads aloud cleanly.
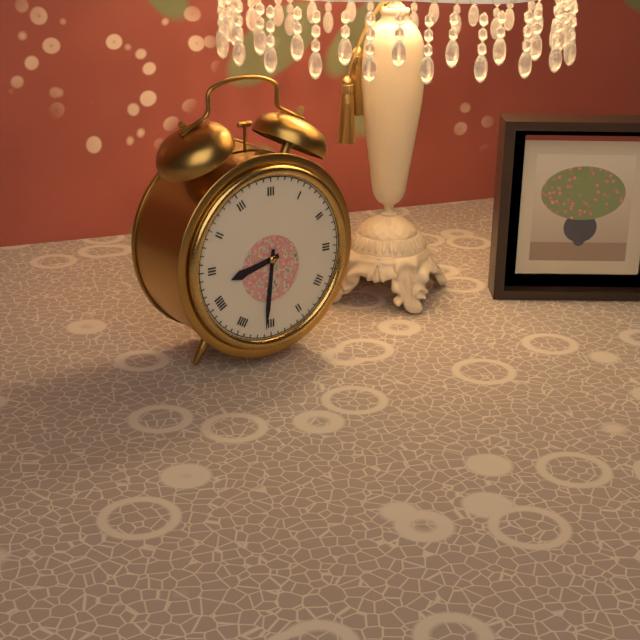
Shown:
8 h 31 min
